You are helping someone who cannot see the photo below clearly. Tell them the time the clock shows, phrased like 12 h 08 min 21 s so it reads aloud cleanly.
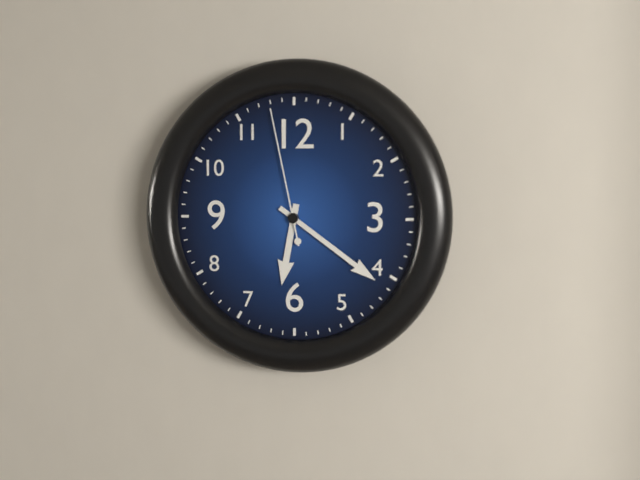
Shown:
6 h 21 min 58 s
